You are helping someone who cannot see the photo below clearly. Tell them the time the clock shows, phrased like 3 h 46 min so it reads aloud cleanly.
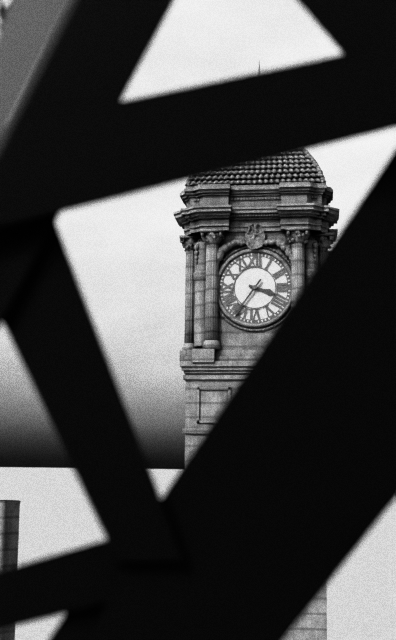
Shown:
3 h 36 min
